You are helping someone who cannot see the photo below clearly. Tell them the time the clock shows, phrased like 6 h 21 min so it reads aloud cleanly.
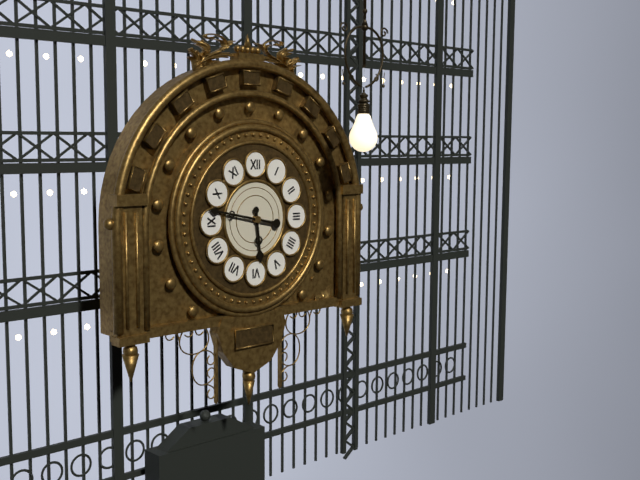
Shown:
5 h 47 min
